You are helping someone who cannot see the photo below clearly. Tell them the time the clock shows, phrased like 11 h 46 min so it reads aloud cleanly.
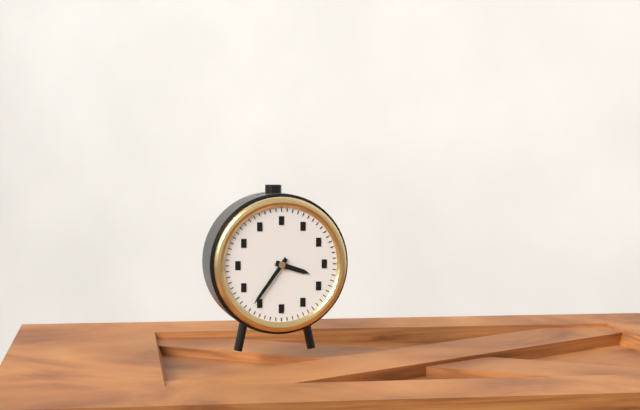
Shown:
3 h 36 min
